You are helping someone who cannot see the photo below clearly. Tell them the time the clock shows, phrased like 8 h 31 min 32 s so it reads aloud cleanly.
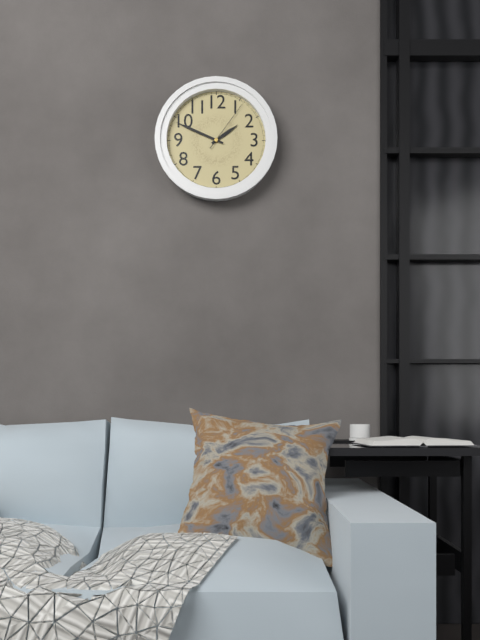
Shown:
1 h 49 min 06 s
